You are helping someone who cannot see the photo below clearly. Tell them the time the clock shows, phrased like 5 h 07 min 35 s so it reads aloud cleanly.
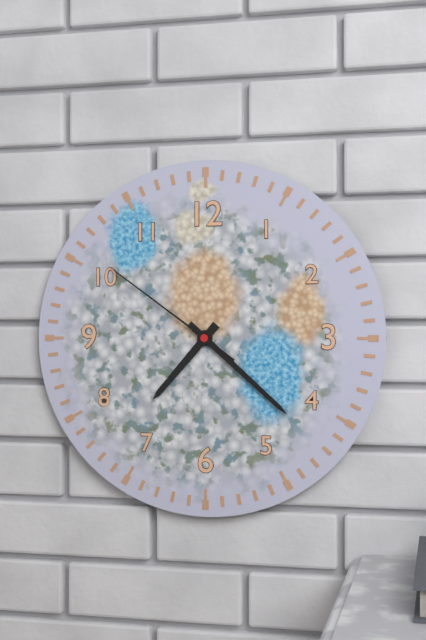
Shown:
7 h 22 min 51 s
